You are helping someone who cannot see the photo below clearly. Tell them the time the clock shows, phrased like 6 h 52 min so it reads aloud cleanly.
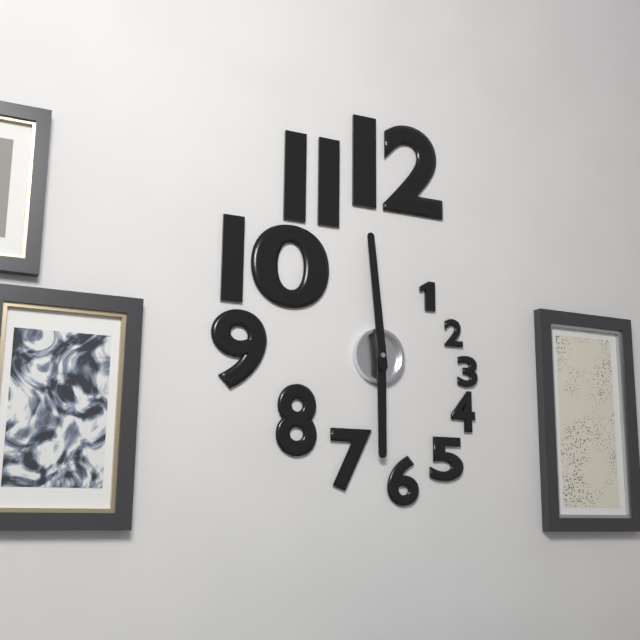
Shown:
5 h 59 min
